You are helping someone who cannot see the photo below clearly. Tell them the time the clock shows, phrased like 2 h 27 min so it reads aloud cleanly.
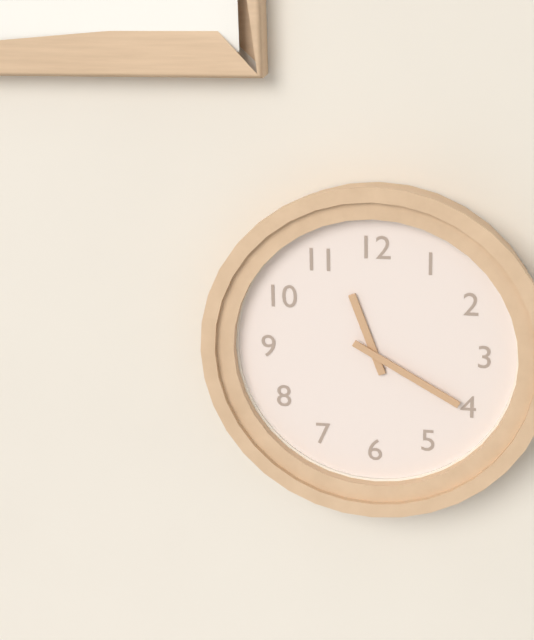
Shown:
11 h 20 min
